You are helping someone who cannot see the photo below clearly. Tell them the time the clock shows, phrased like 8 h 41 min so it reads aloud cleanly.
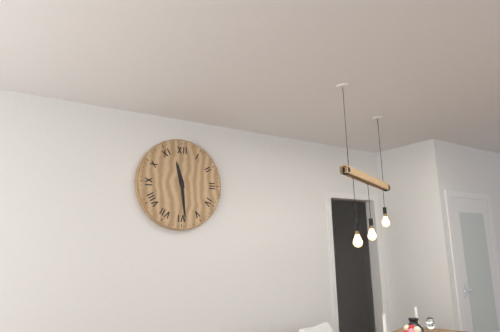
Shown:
11 h 29 min
